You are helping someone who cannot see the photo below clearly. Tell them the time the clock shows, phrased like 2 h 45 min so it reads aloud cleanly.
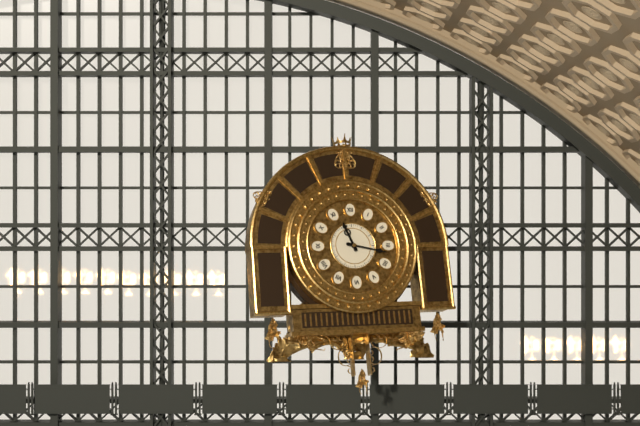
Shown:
11 h 17 min
